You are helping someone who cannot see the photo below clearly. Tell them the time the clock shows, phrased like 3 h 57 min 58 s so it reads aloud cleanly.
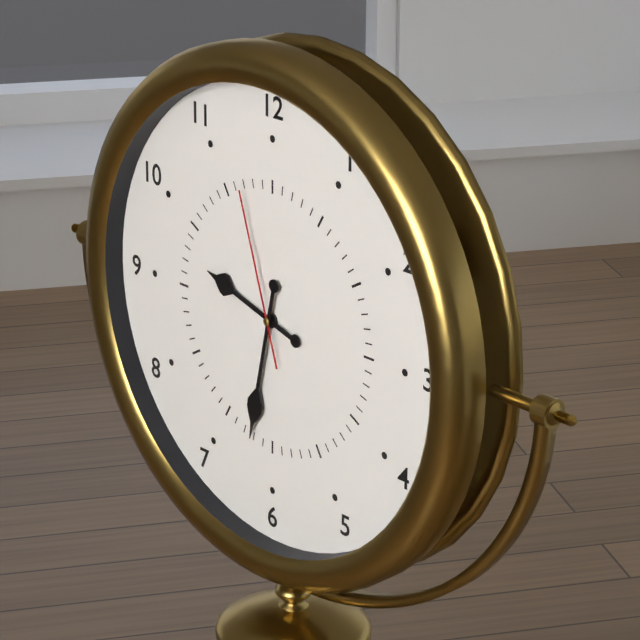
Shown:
9 h 32 min 57 s
